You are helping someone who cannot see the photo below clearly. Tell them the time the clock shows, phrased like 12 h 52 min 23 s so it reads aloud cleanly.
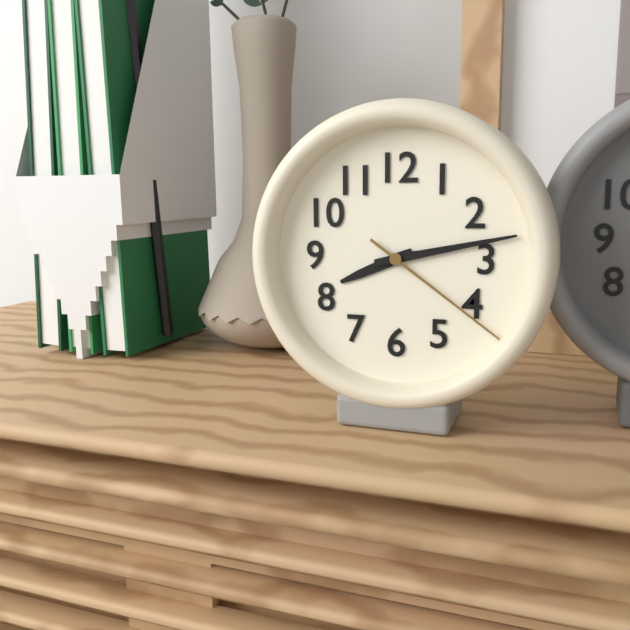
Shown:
8 h 13 min 21 s
